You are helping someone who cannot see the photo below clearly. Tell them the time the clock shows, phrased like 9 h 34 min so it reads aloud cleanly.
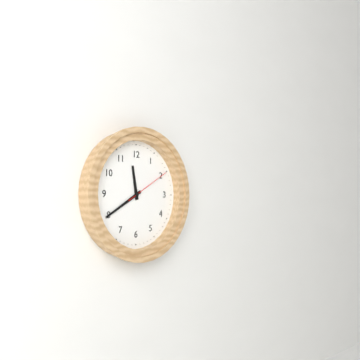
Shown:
11 h 40 min
